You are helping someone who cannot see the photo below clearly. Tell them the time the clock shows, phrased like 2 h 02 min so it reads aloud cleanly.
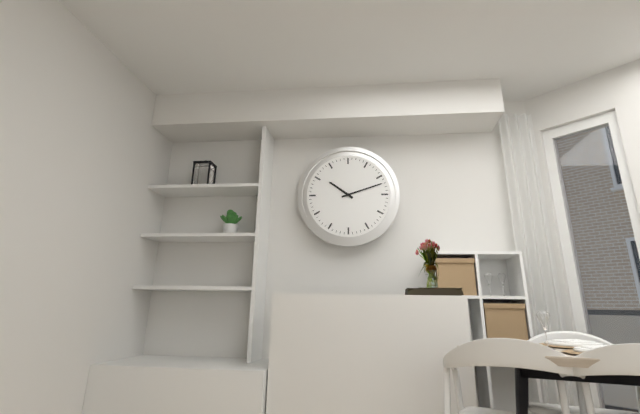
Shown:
10 h 12 min
